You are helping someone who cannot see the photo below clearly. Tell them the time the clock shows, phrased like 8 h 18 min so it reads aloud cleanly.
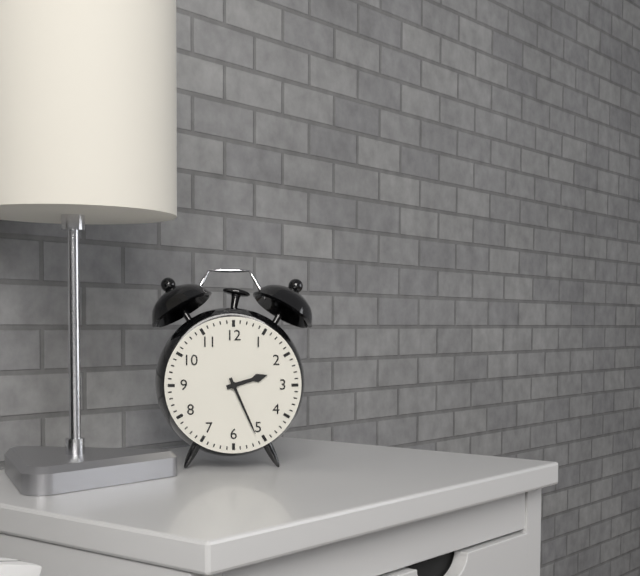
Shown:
2 h 26 min
